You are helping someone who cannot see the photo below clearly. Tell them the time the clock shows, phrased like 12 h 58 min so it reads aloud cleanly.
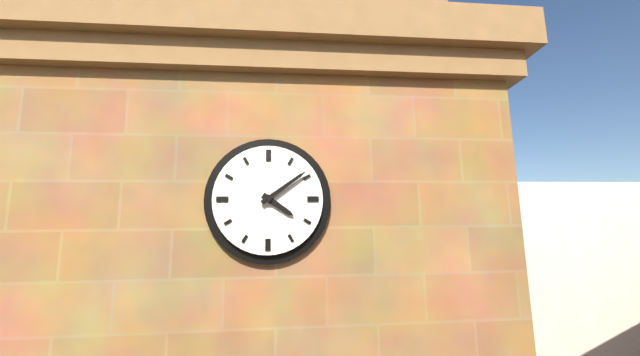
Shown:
4 h 09 min
